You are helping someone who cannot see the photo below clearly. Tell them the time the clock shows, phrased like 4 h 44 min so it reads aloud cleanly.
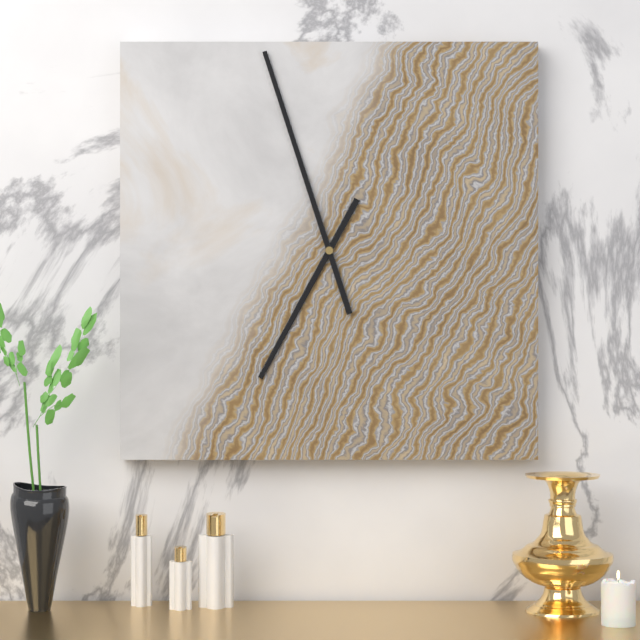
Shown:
6 h 57 min
